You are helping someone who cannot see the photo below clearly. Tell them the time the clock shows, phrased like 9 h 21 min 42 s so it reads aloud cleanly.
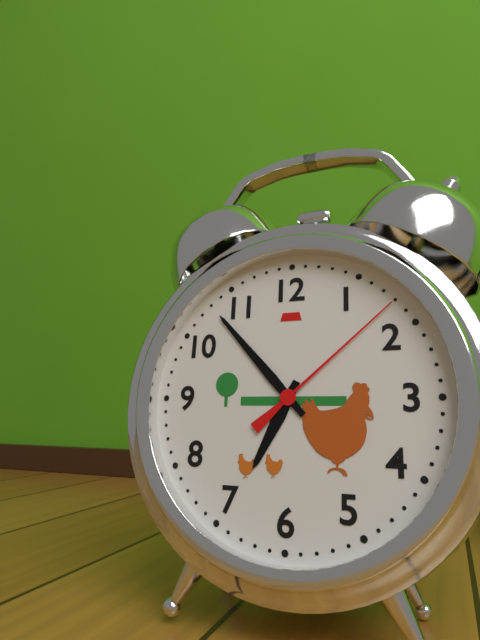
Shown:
6 h 53 min 08 s
